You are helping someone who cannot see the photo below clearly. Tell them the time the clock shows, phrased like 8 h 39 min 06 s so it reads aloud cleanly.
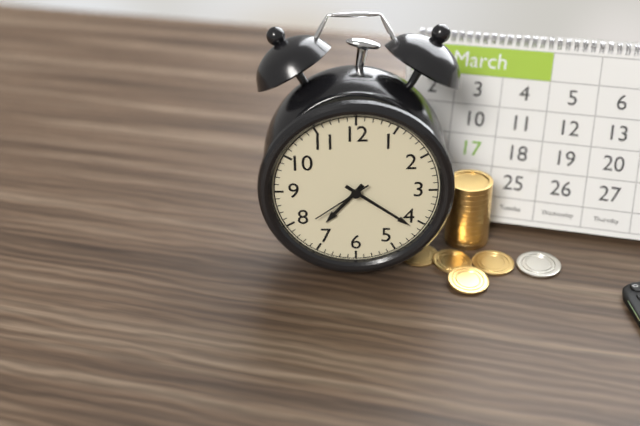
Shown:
7 h 21 min 39 s
